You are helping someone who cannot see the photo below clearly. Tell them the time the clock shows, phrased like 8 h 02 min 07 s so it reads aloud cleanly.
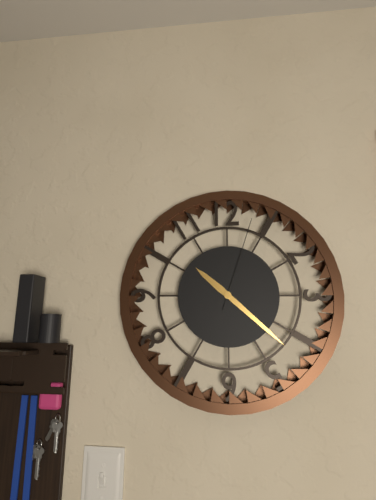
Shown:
10 h 22 min 03 s
